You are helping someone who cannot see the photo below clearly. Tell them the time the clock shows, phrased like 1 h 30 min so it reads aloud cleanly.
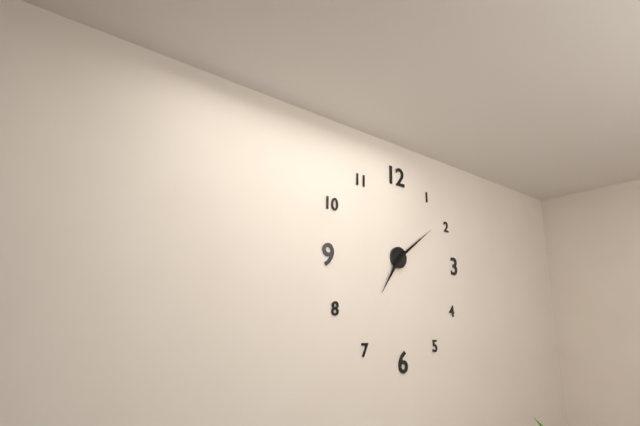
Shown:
7 h 09 min
